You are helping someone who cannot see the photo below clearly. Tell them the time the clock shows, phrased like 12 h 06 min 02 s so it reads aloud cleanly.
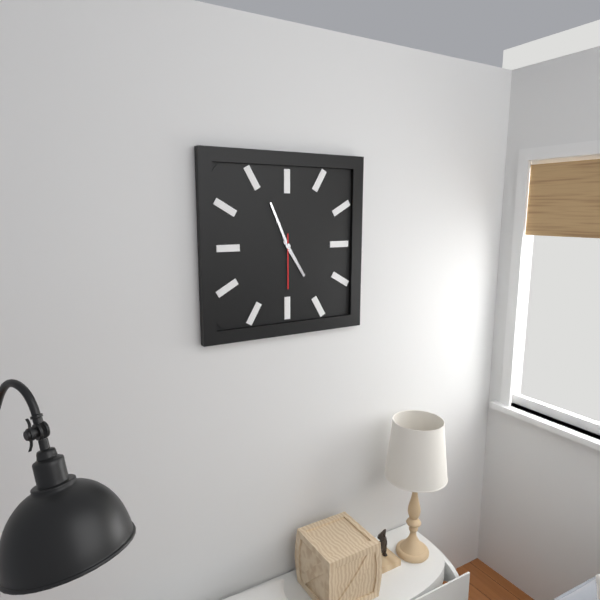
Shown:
4 h 56 min 30 s
